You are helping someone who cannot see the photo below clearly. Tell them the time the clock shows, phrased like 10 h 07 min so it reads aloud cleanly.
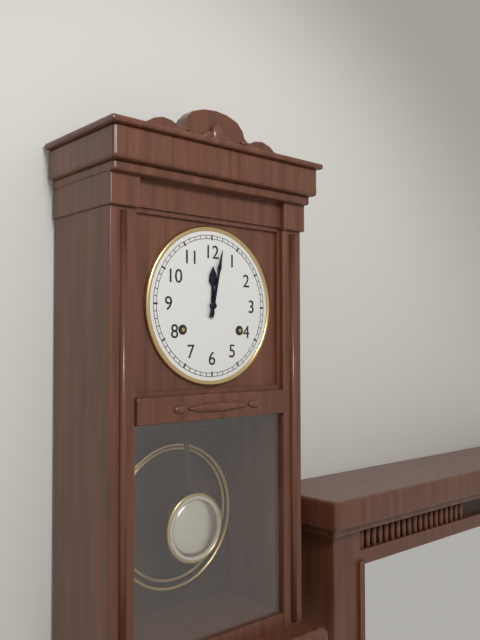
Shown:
12 h 02 min
